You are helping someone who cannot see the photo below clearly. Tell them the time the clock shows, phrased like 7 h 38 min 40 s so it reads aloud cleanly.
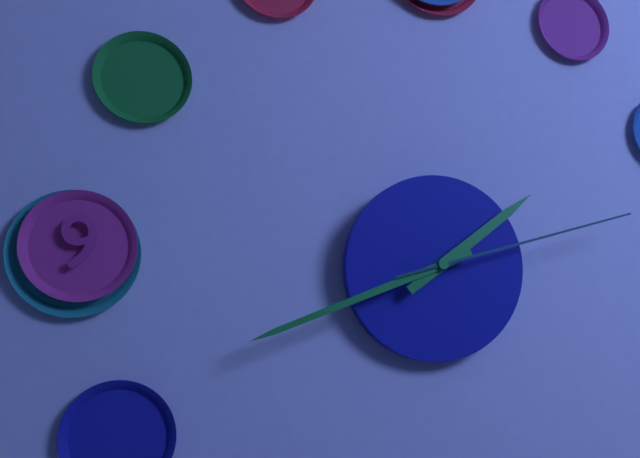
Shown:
1 h 41 min 12 s
